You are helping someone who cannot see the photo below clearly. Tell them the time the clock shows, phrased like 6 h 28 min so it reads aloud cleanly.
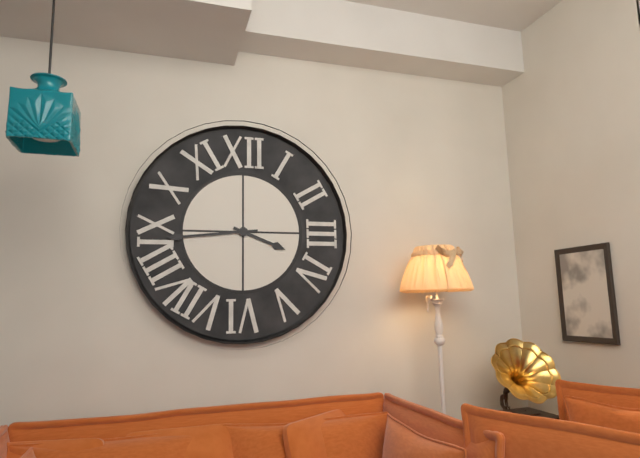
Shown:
3 h 44 min
